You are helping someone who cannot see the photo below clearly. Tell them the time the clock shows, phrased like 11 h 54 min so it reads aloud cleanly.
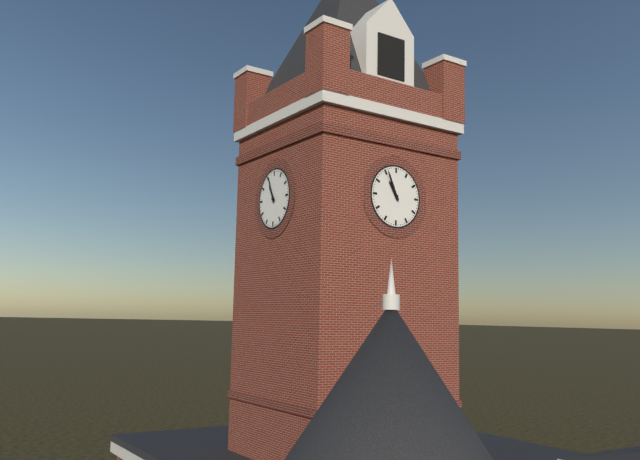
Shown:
10 h 56 min
